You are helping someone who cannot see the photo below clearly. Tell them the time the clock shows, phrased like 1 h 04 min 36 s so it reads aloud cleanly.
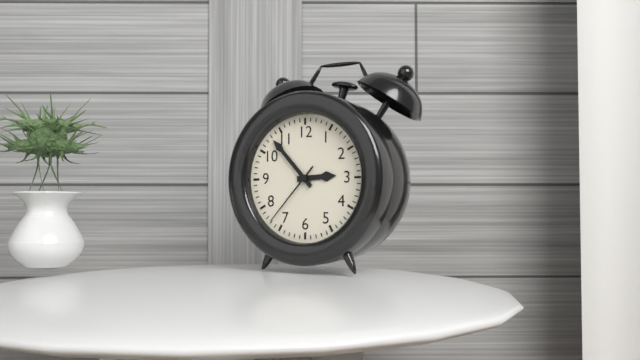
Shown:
2 h 53 min 37 s
